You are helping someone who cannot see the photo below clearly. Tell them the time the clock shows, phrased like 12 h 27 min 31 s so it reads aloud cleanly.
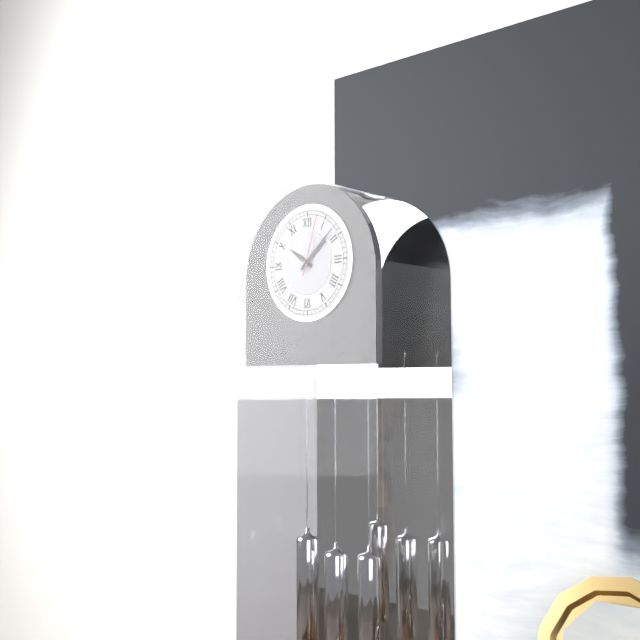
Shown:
10 h 08 min 03 s
